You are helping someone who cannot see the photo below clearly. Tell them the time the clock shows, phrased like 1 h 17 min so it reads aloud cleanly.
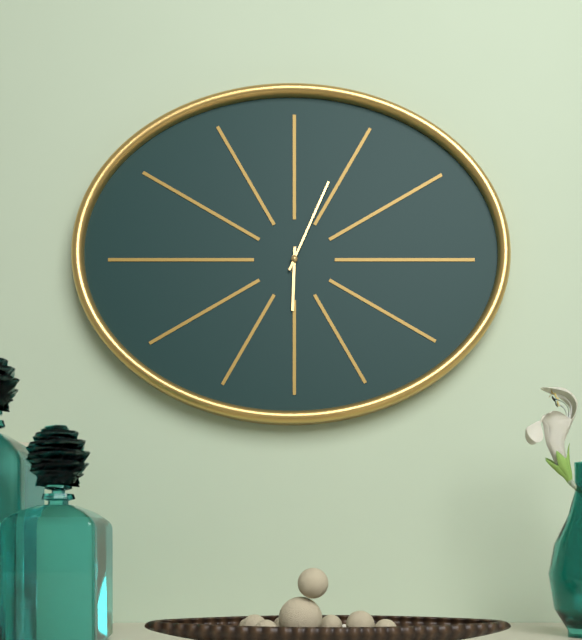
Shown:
6 h 04 min
